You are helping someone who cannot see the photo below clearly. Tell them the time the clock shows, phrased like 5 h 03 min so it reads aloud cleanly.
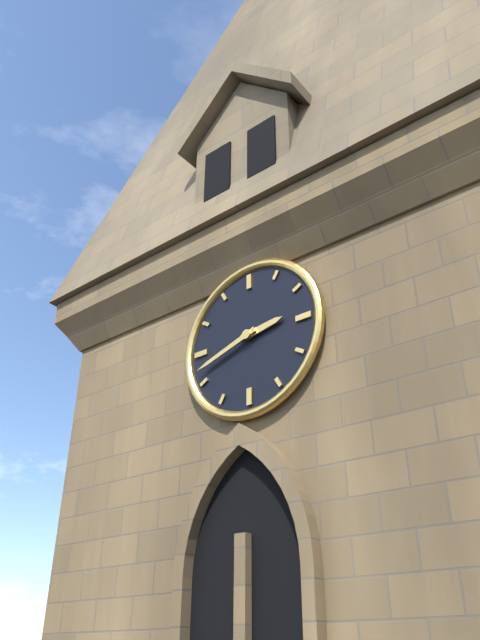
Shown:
2 h 42 min
